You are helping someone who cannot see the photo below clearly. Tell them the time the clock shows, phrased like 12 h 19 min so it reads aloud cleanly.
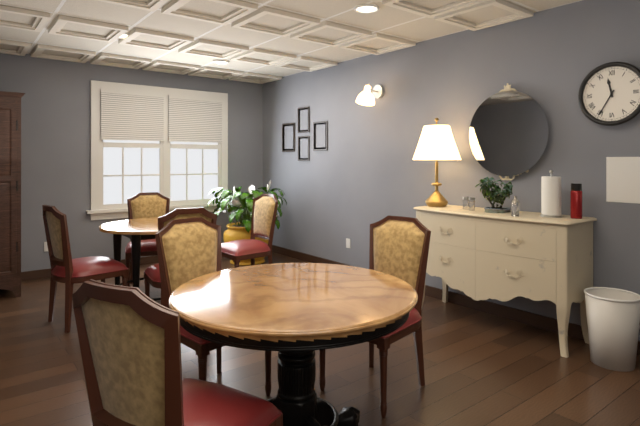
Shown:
11 h 35 min
